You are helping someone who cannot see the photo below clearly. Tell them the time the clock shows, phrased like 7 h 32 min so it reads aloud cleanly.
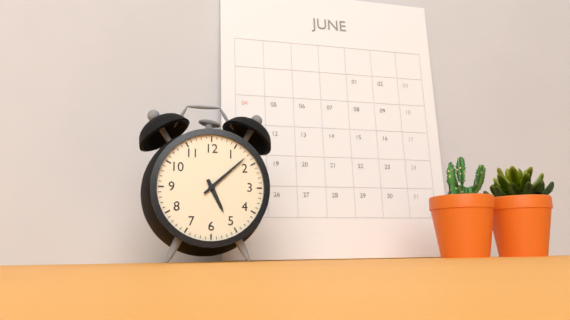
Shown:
5 h 08 min
